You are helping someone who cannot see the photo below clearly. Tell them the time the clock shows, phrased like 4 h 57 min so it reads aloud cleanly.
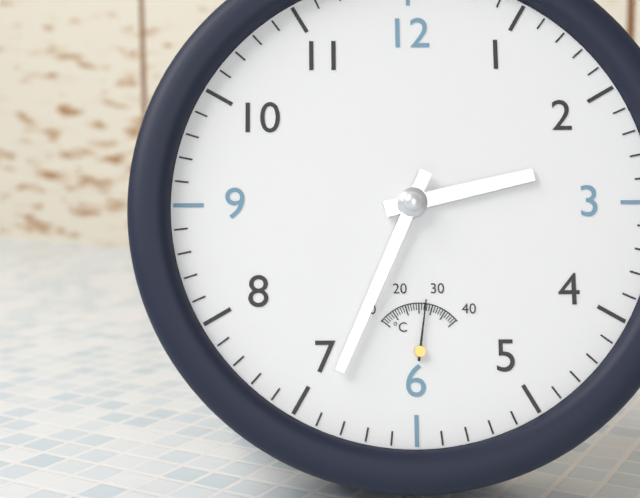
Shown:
2 h 34 min
